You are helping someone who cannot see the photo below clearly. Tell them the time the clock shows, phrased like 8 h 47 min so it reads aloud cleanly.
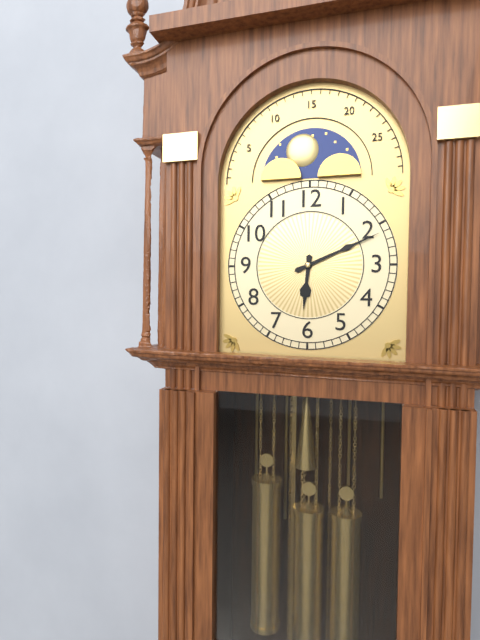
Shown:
6 h 11 min
